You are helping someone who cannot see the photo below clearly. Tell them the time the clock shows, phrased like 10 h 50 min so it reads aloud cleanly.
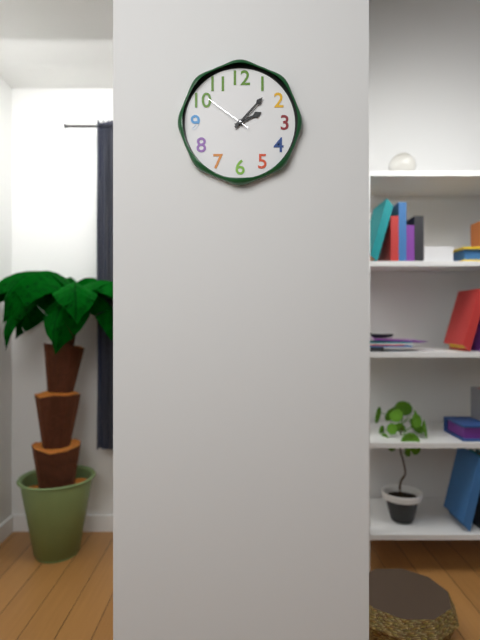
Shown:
2 h 07 min
